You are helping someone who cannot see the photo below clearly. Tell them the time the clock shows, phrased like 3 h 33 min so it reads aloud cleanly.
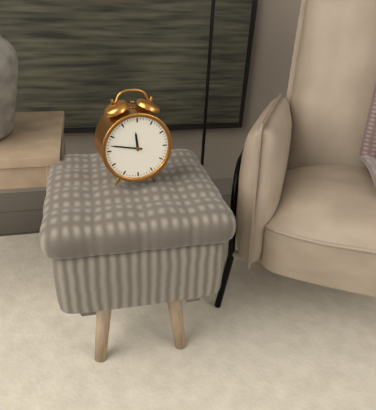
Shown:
11 h 47 min
